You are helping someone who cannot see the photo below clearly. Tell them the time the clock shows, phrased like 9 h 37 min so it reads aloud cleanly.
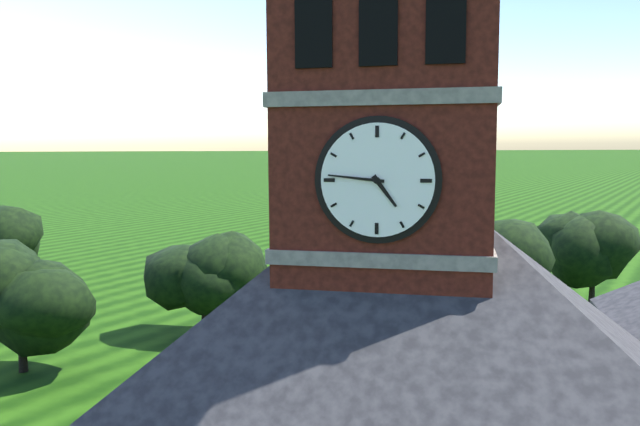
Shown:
4 h 46 min
